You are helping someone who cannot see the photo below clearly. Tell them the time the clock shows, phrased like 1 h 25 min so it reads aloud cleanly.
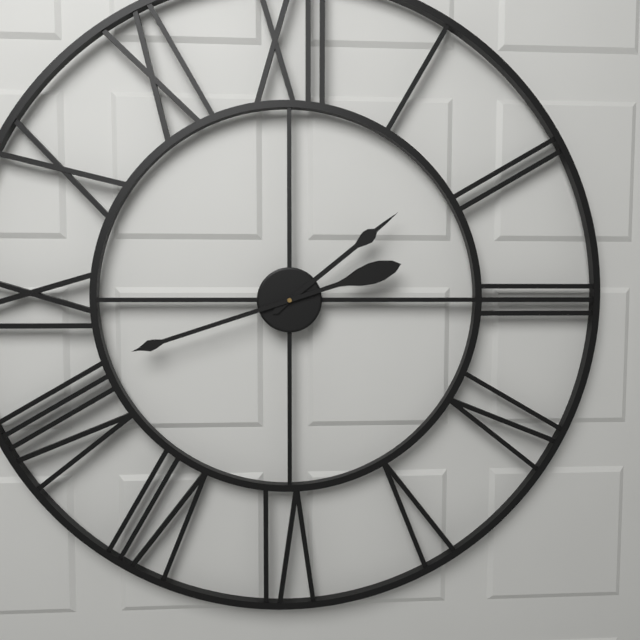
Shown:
1 h 42 min
